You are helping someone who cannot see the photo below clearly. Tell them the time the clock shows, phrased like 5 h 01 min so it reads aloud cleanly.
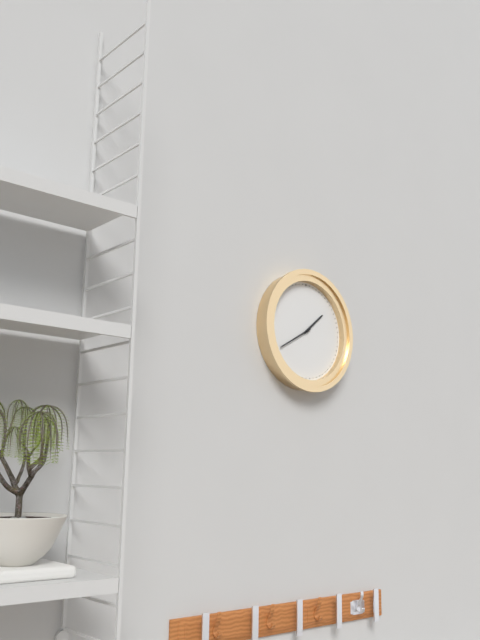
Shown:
1 h 40 min
